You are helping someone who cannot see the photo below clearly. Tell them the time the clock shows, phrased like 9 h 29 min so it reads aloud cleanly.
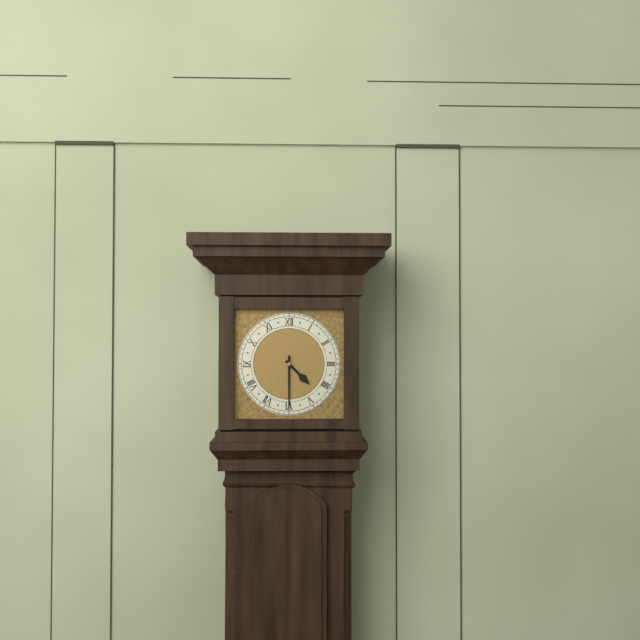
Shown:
4 h 30 min
